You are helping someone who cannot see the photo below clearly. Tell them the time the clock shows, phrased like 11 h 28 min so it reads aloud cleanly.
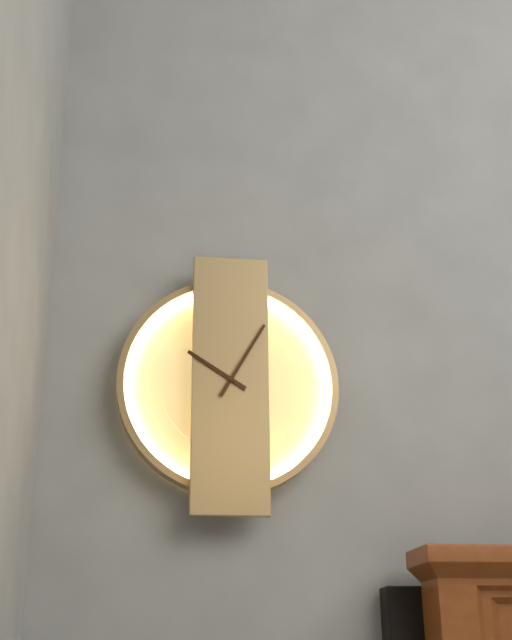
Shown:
10 h 05 min
